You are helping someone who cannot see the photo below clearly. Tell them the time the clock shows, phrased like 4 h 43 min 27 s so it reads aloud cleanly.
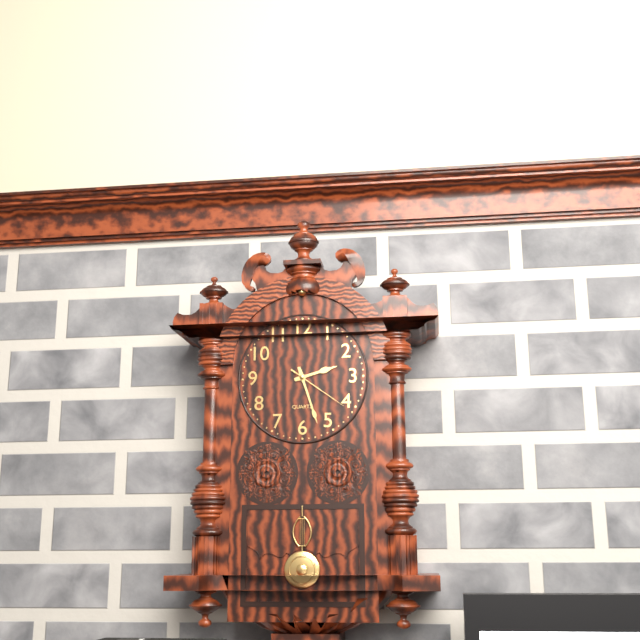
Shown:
2 h 27 min 21 s
